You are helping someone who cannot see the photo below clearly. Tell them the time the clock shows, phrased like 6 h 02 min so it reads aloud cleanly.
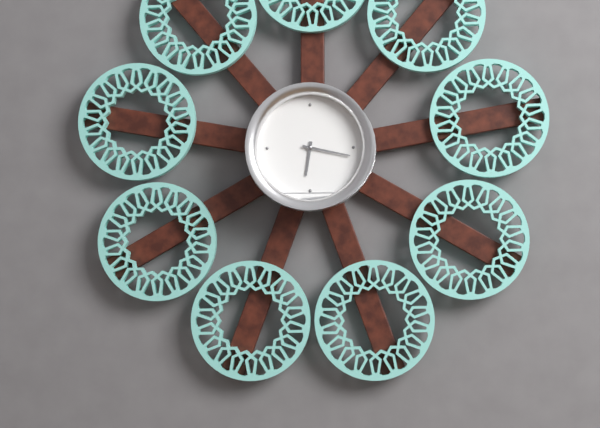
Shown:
6 h 17 min
